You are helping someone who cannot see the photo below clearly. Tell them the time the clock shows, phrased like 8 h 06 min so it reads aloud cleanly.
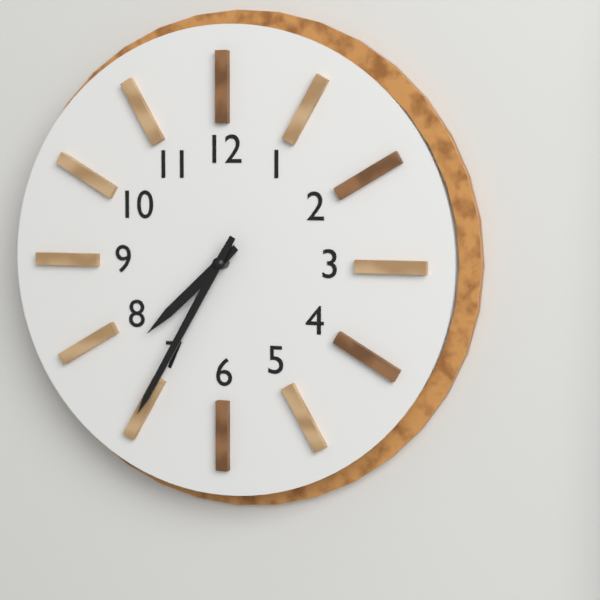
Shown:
7 h 35 min
